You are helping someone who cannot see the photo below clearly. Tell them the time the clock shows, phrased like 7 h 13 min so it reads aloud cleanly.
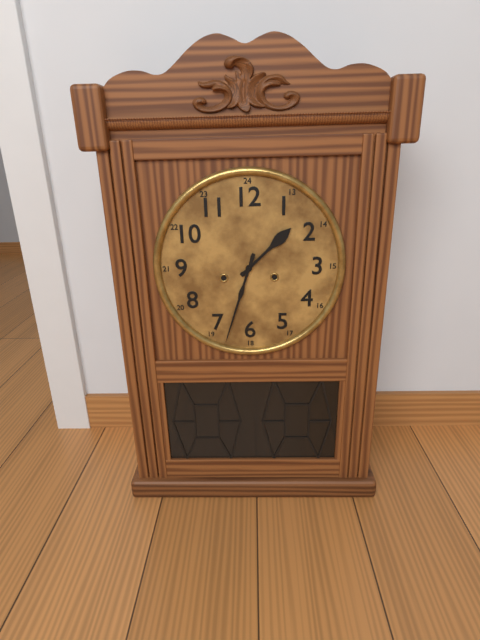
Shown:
1 h 33 min
